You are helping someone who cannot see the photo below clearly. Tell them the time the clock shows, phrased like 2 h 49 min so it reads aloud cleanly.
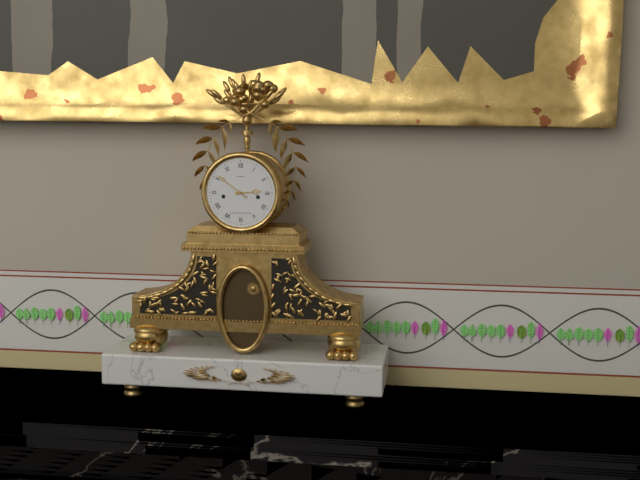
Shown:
2 h 51 min
